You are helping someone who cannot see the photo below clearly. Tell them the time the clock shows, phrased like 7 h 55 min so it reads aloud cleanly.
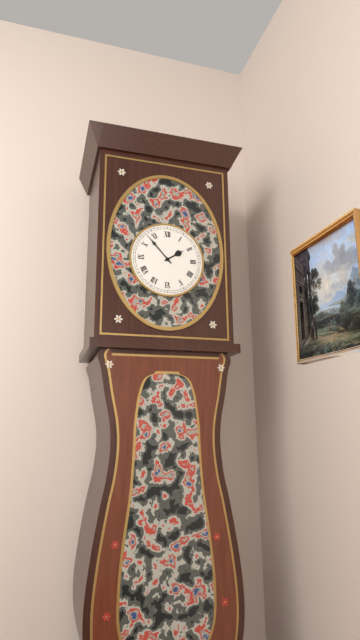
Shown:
1 h 53 min
